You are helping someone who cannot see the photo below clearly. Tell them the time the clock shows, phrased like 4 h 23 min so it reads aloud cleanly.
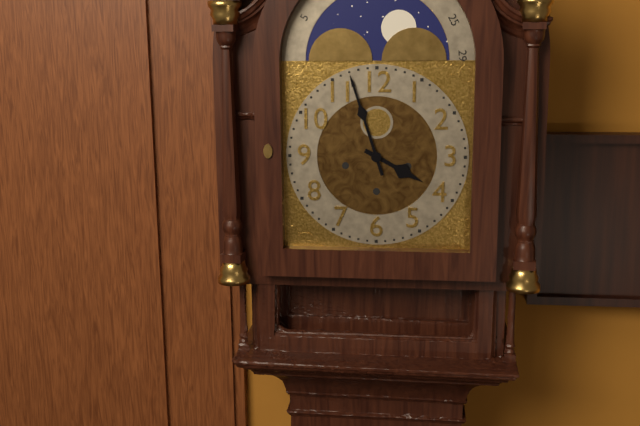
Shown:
3 h 57 min
